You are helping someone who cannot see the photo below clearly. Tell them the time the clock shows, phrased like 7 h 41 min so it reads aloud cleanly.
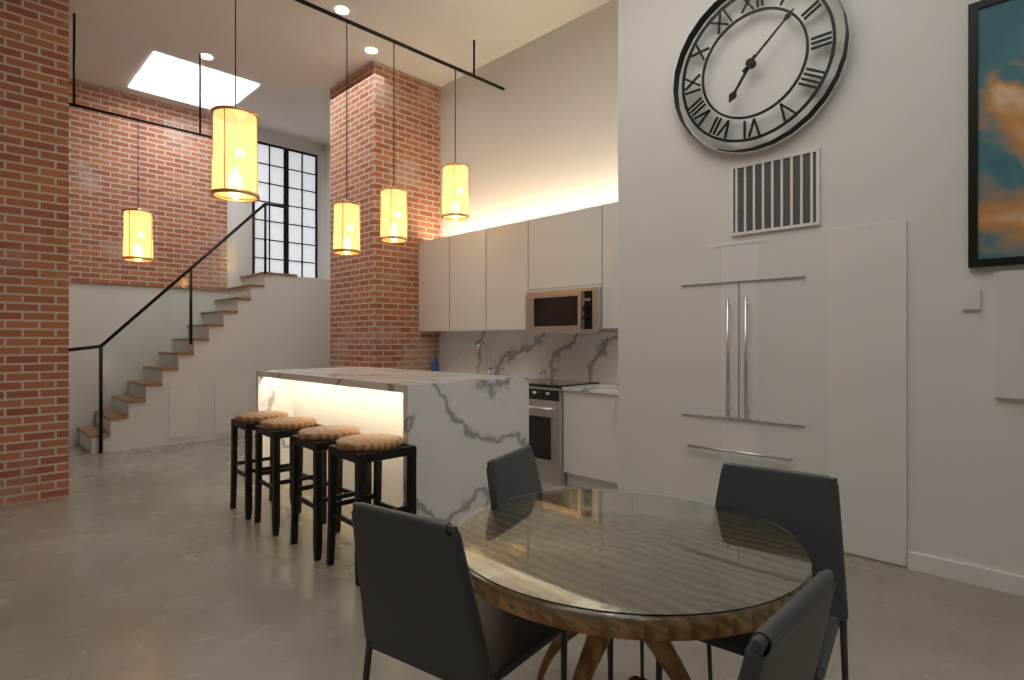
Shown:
7 h 08 min
